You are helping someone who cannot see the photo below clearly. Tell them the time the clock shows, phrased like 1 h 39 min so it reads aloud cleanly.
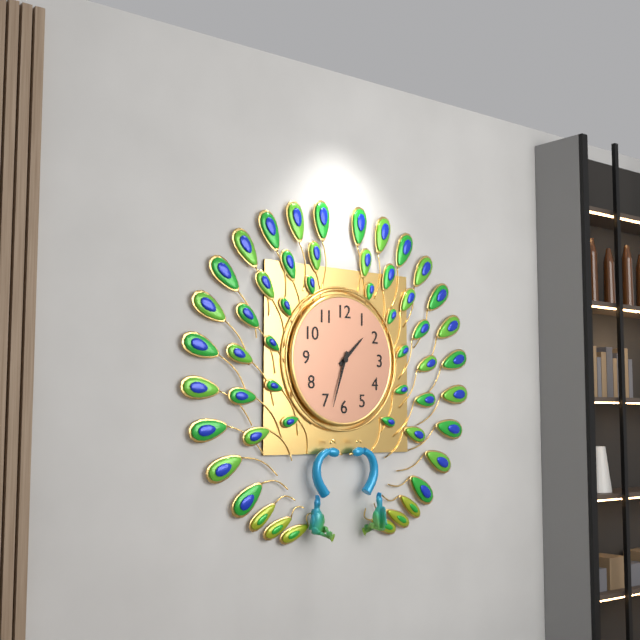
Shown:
1 h 33 min
